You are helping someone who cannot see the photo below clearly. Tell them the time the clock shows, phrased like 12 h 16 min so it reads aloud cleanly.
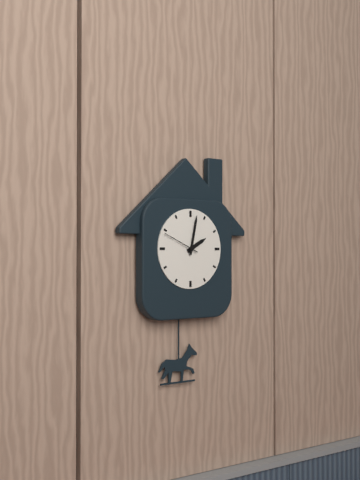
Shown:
2 h 02 min
